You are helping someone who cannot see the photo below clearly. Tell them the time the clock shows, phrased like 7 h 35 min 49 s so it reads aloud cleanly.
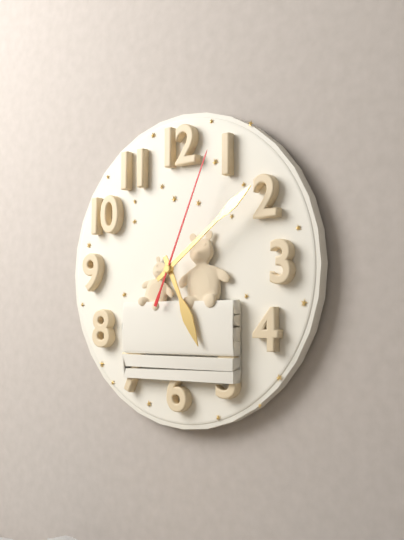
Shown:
5 h 09 min 04 s
